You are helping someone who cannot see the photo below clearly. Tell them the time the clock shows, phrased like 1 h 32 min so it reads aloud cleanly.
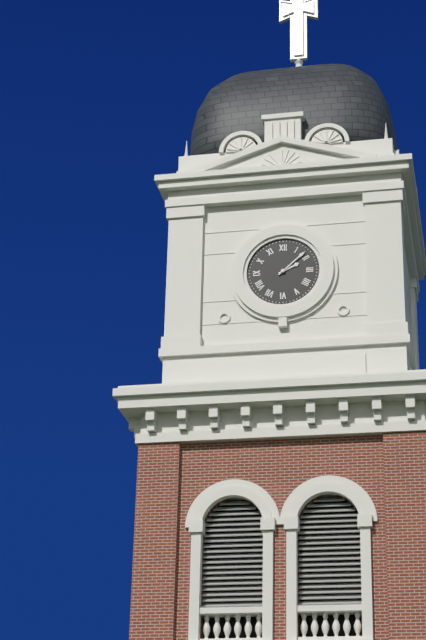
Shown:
2 h 08 min
